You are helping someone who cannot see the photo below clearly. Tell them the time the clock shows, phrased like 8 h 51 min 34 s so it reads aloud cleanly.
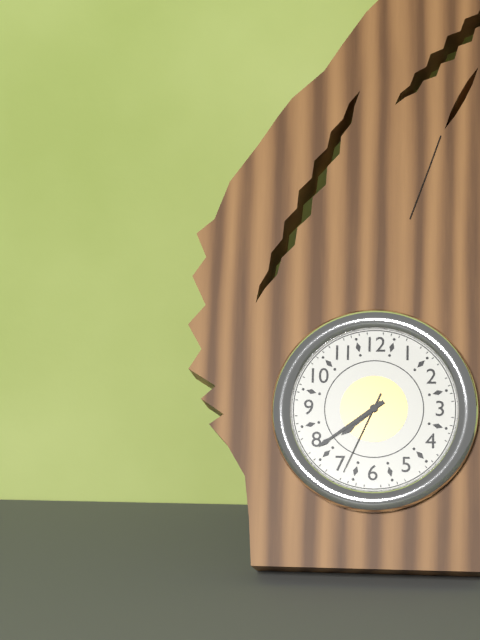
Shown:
7 h 39 min 34 s
